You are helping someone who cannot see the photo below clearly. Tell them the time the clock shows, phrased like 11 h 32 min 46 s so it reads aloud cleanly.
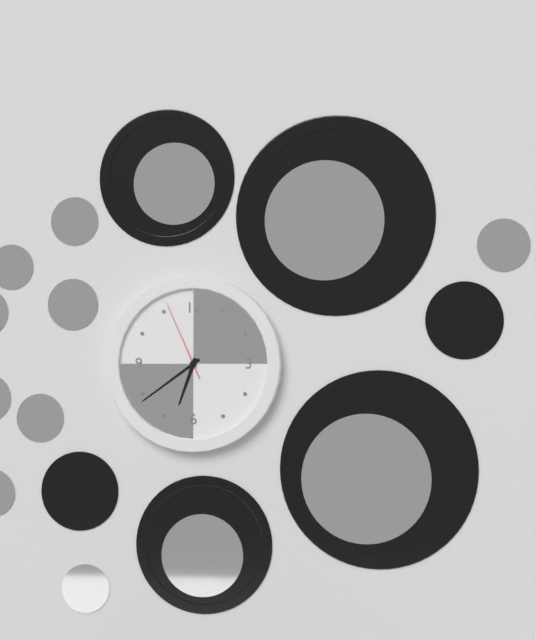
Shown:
6 h 39 min 56 s
